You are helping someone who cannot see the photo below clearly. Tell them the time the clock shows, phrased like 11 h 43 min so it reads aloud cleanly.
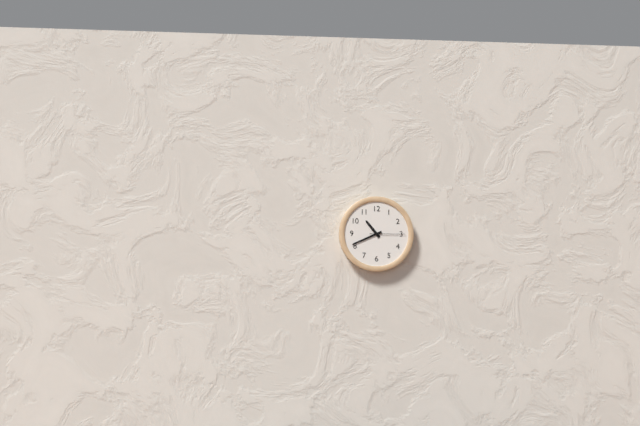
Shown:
10 h 41 min
